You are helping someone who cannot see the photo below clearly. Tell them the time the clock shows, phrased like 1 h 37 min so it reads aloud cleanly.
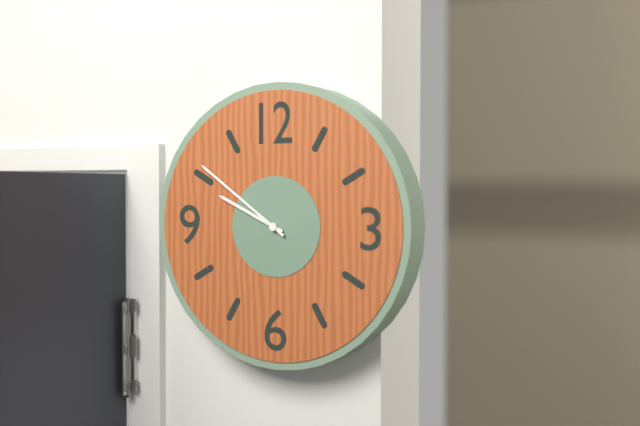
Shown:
9 h 51 min
